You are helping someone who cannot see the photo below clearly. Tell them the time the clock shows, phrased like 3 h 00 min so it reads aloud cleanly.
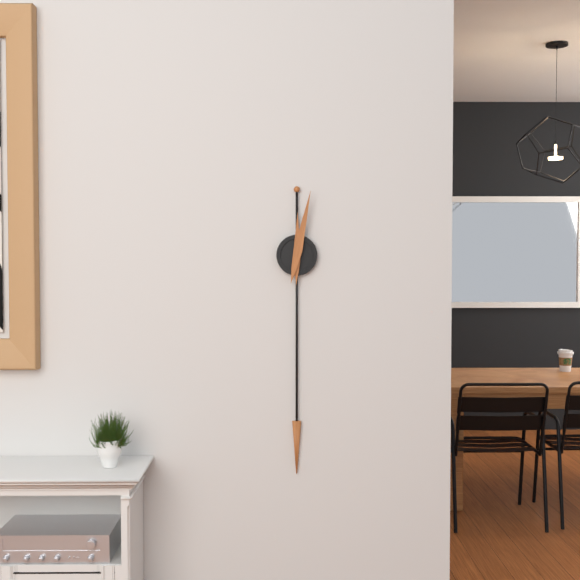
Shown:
12 h 02 min
